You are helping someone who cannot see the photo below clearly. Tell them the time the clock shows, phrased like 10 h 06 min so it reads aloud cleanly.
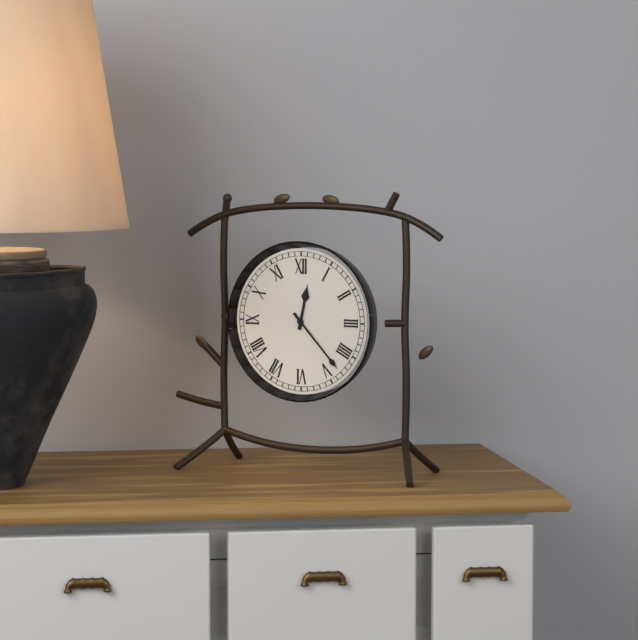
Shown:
12 h 23 min
